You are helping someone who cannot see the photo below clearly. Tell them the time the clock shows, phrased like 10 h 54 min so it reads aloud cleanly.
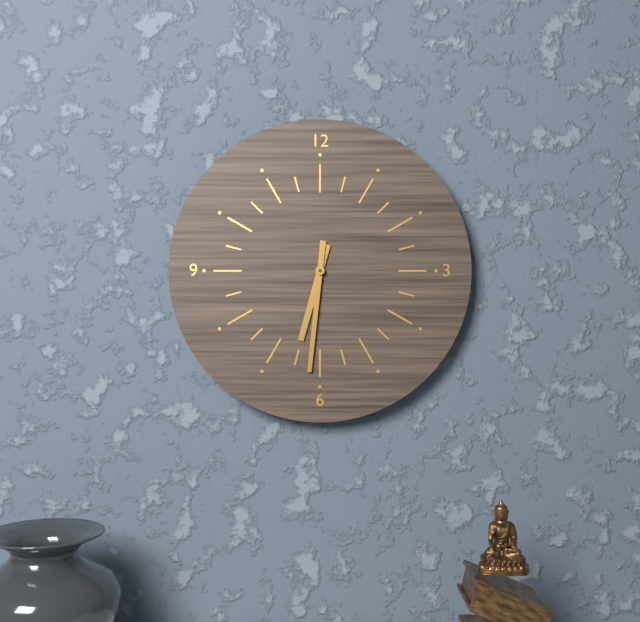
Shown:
6 h 31 min
